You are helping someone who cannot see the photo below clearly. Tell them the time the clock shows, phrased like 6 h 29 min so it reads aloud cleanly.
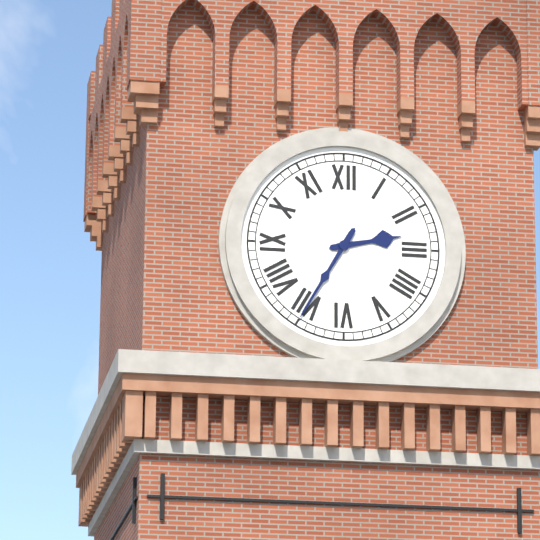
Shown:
2 h 35 min
